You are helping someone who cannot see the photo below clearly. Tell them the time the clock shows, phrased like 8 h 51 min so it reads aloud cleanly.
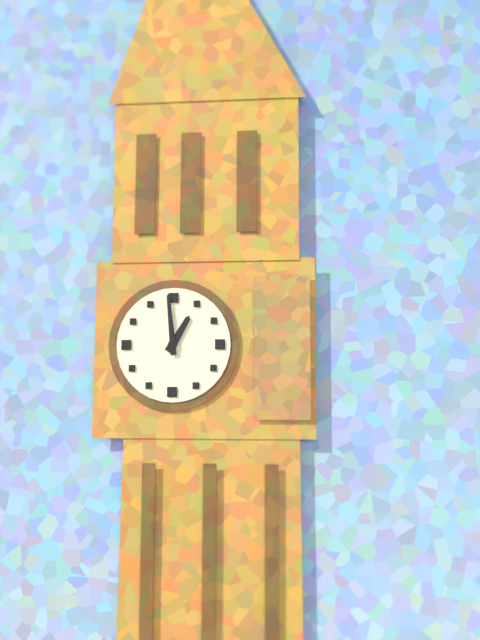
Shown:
12 h 59 min
